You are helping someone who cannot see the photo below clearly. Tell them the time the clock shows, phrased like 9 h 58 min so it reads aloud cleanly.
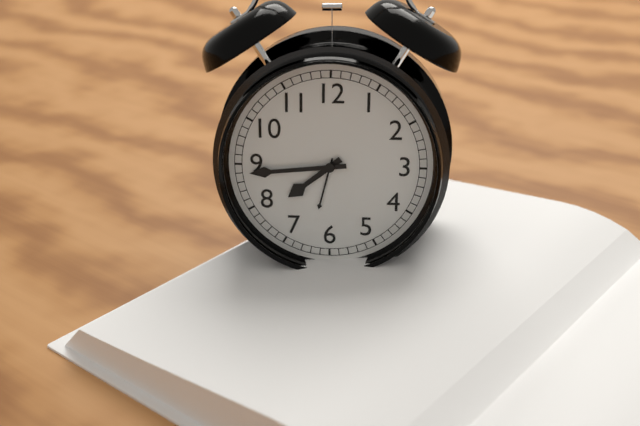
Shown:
7 h 44 min
